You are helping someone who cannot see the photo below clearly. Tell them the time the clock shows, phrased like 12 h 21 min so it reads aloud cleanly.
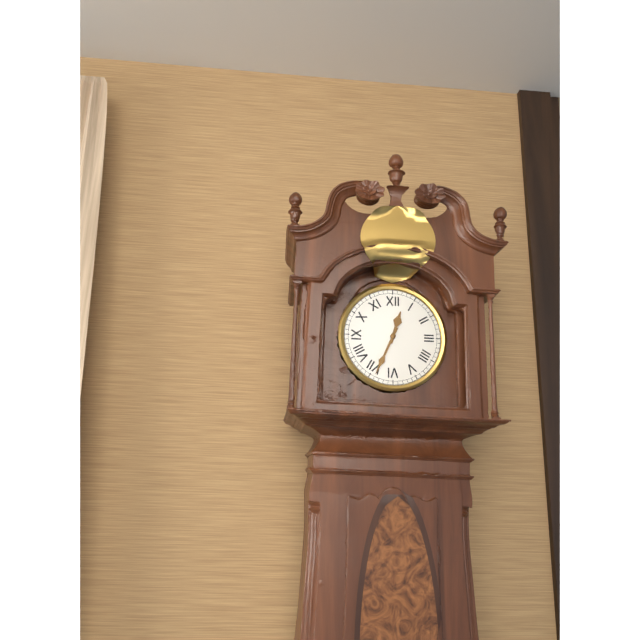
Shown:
12 h 34 min
